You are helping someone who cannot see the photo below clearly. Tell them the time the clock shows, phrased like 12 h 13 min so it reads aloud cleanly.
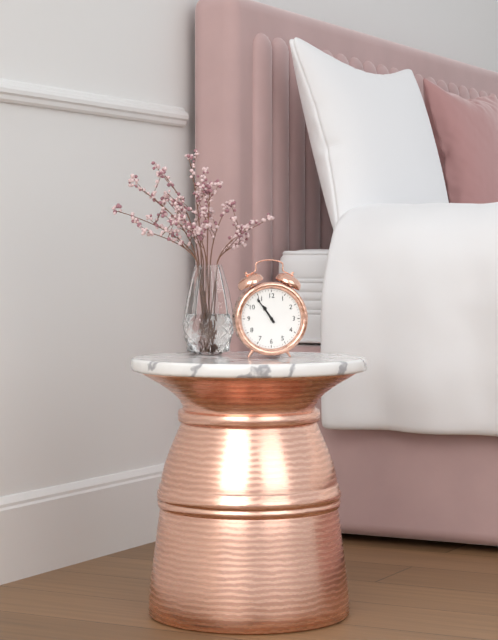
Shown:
10 h 54 min
